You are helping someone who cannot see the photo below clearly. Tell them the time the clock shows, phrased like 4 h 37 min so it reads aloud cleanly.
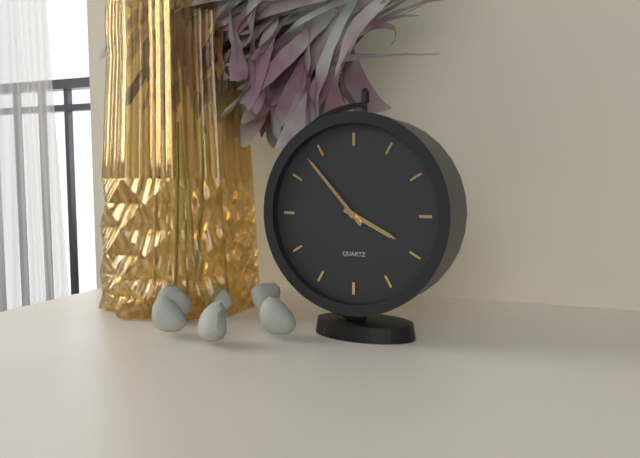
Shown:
3 h 53 min
